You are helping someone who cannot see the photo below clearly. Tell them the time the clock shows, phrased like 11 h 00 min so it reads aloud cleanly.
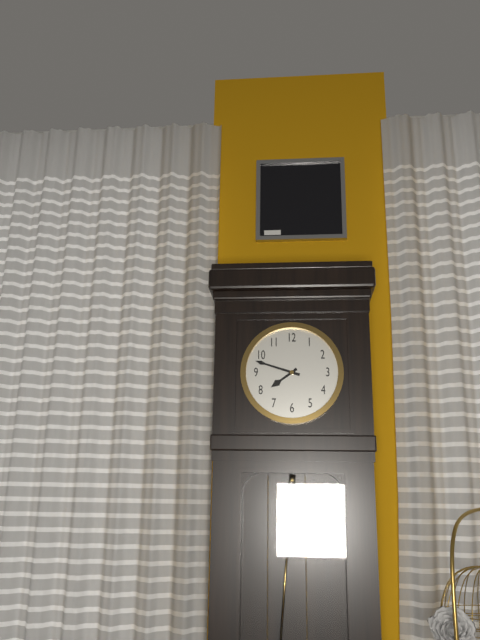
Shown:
7 h 48 min
